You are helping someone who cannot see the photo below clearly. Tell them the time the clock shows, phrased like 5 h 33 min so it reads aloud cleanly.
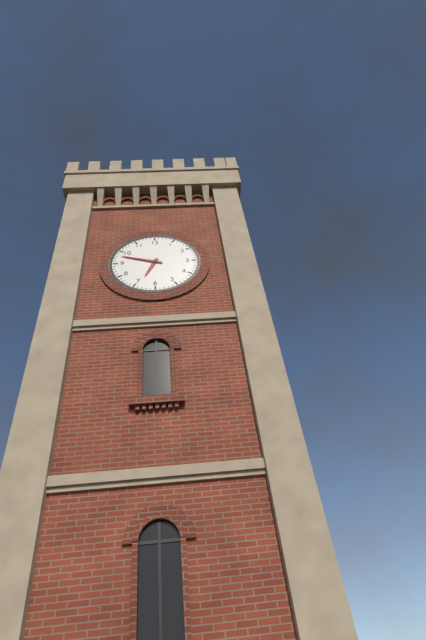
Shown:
6 h 48 min
